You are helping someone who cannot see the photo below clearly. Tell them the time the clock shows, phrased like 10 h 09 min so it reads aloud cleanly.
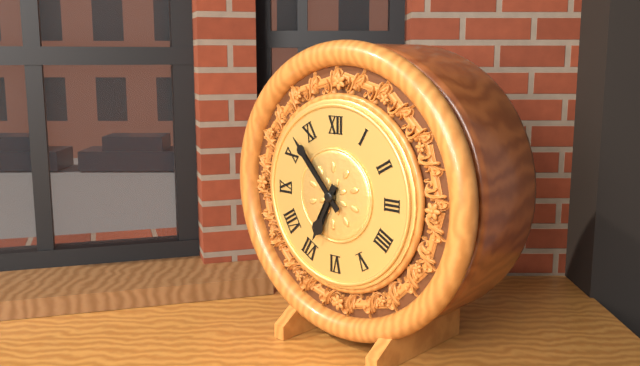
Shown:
6 h 53 min
